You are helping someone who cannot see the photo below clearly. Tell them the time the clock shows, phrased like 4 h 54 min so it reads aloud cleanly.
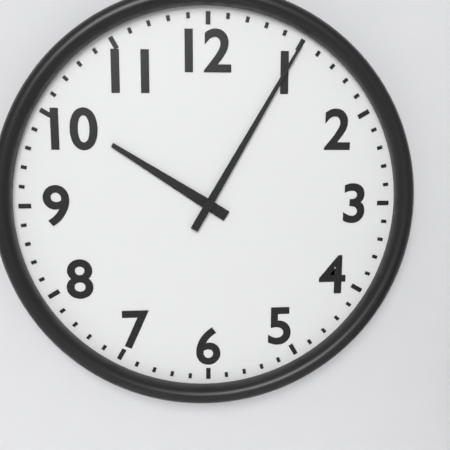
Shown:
10 h 05 min
